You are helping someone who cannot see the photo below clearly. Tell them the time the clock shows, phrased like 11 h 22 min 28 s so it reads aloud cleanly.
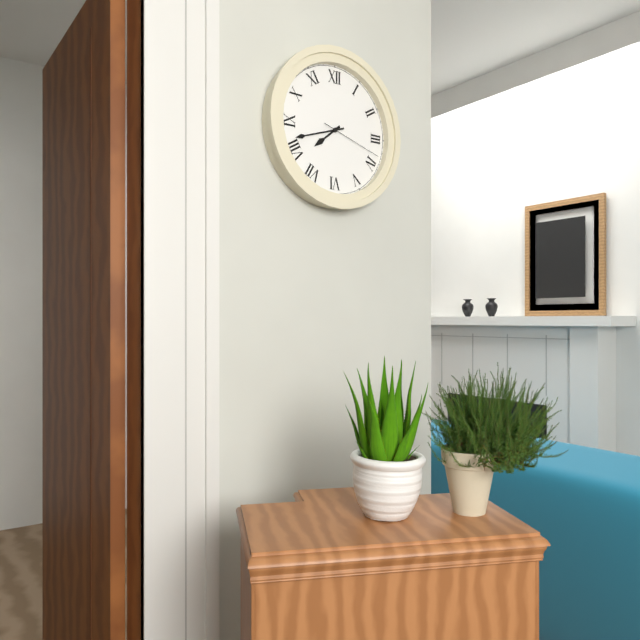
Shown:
7 h 42 min 18 s
